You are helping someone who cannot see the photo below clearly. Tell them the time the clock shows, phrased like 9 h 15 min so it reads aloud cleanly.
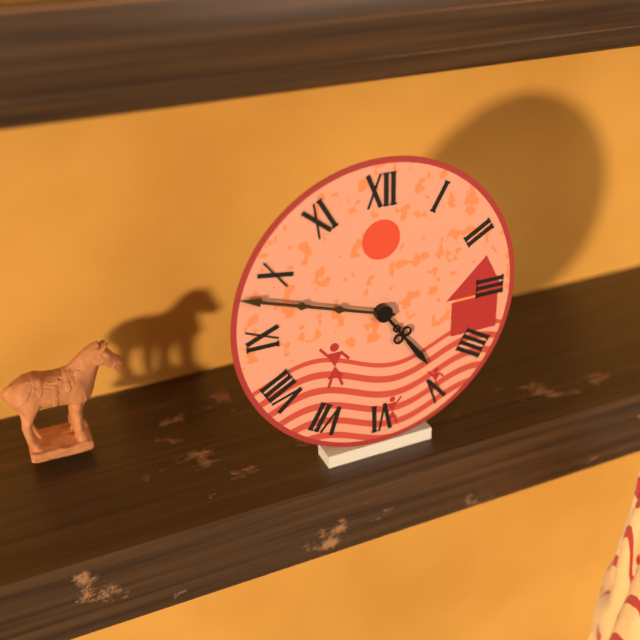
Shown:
4 h 48 min
